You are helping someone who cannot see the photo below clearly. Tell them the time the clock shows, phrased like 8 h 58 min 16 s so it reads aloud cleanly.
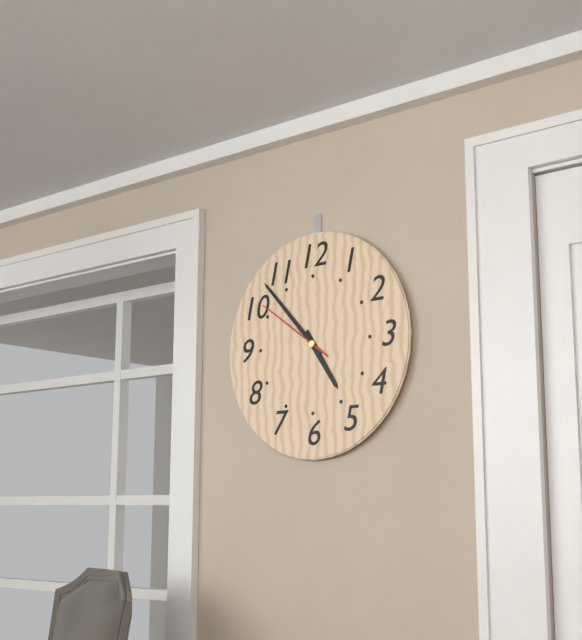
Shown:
4 h 53 min 51 s
